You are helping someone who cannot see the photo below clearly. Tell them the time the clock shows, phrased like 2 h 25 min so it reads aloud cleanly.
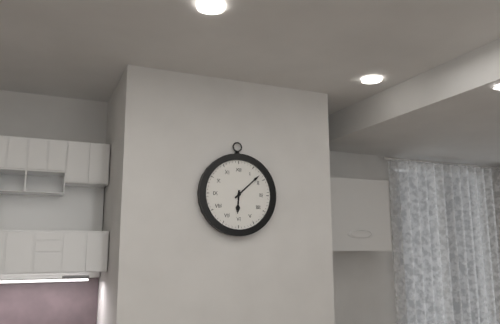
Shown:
6 h 08 min
